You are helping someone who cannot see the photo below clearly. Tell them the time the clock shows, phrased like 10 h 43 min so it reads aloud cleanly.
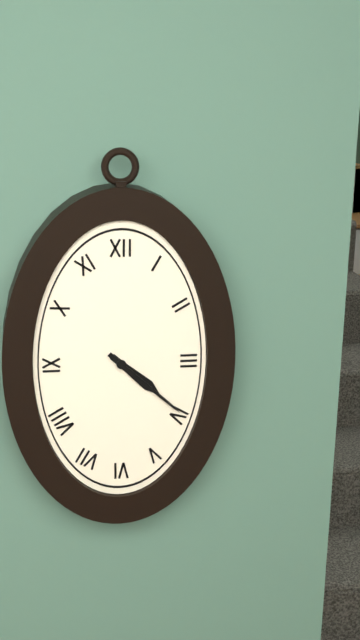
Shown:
4 h 22 min
